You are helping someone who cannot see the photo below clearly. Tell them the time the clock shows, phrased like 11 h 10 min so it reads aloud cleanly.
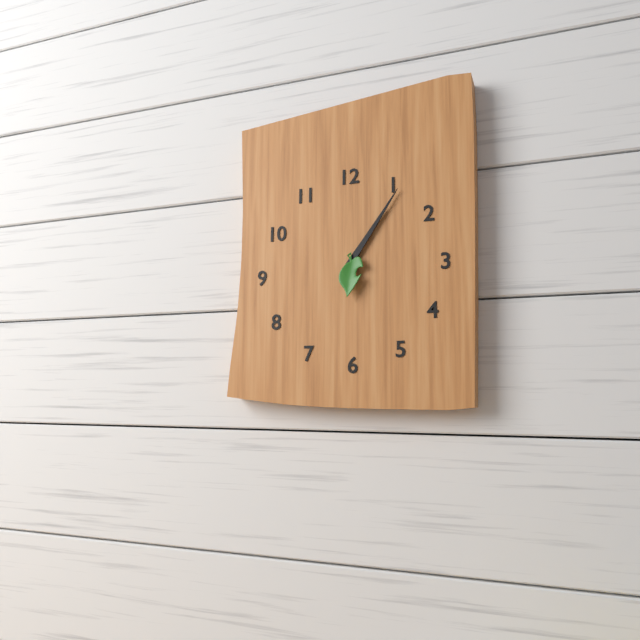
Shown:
1 h 06 min
